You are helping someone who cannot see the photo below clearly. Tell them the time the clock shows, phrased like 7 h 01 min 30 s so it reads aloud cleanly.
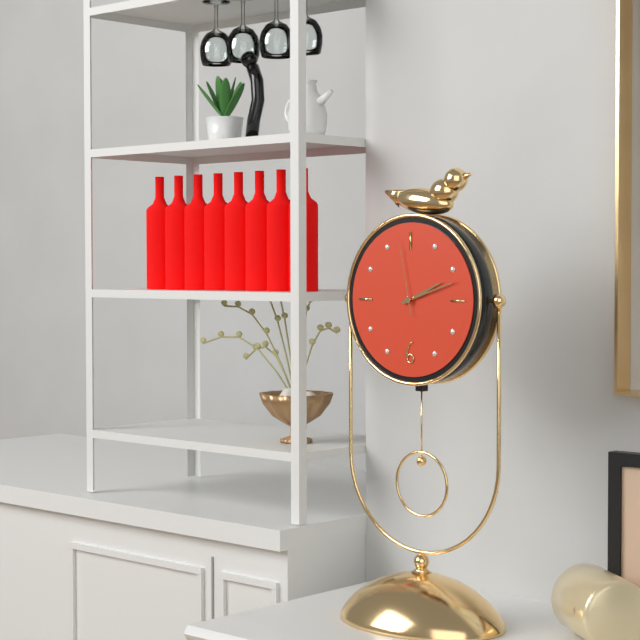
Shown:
2 h 12 min 58 s
